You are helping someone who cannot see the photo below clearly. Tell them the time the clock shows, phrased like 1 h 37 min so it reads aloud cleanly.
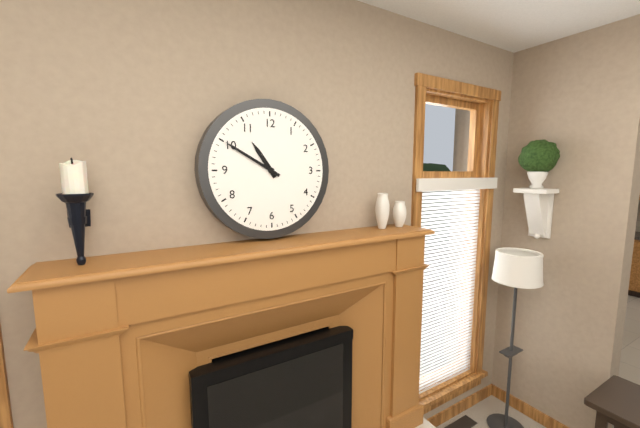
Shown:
10 h 50 min
